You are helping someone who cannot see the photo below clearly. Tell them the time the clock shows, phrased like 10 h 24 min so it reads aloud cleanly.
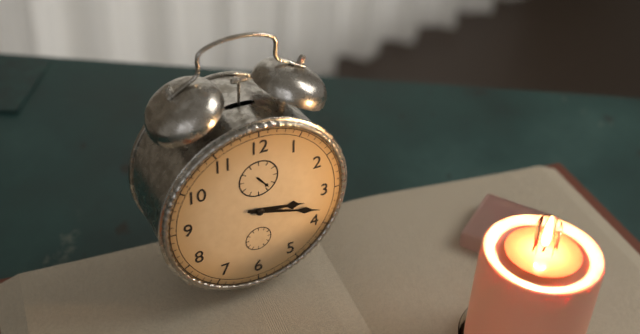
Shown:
3 h 18 min
